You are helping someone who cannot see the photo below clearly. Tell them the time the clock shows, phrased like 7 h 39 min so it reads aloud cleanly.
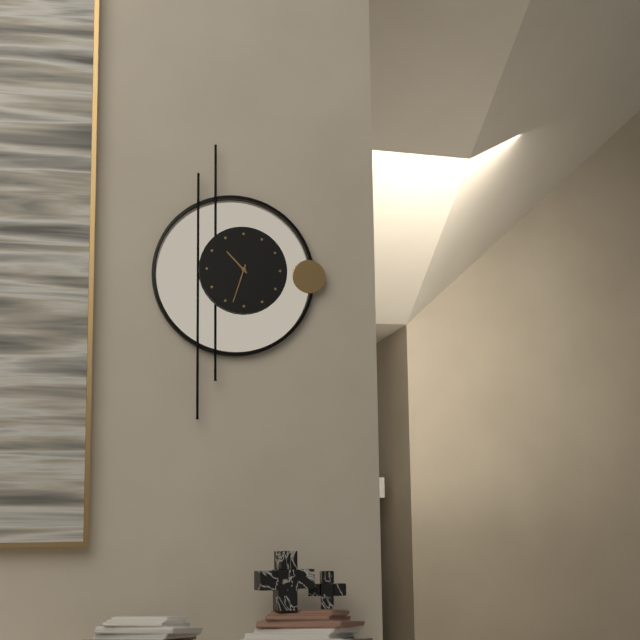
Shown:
10 h 33 min
